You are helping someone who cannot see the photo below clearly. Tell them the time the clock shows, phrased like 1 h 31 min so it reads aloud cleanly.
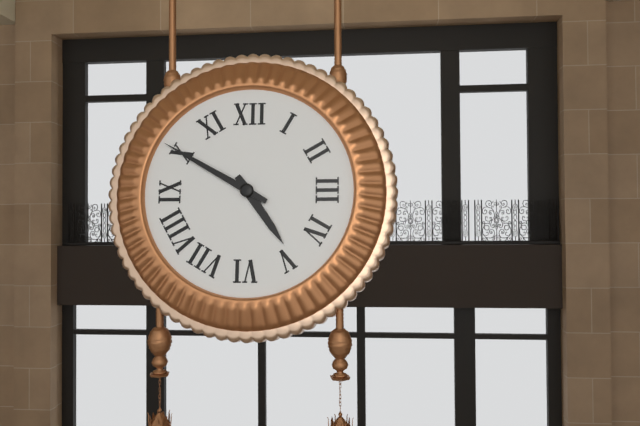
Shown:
4 h 50 min
